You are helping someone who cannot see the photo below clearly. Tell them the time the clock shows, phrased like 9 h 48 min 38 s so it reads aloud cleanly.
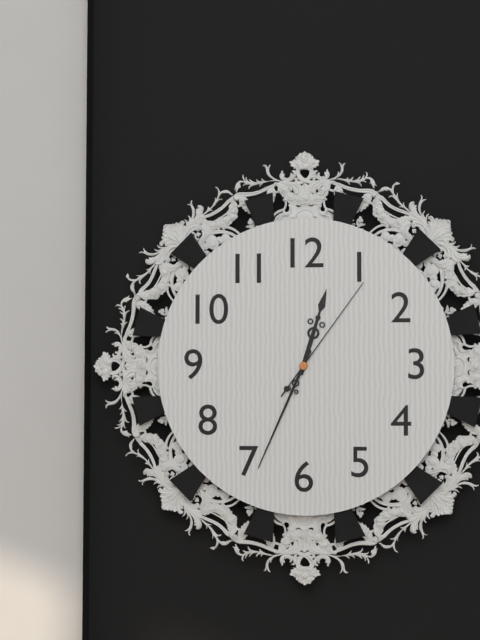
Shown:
12 h 34 min 06 s
